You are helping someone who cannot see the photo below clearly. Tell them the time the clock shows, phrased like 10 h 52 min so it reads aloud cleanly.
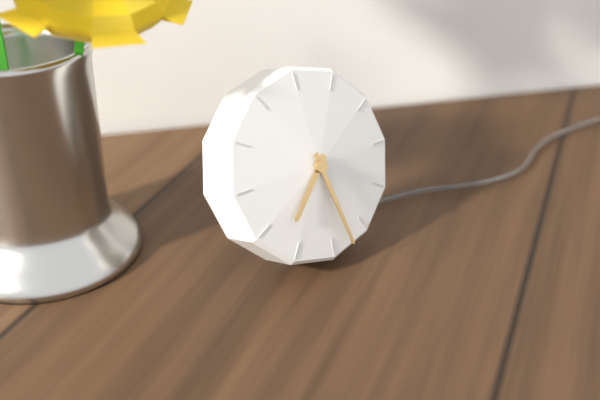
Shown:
7 h 28 min
